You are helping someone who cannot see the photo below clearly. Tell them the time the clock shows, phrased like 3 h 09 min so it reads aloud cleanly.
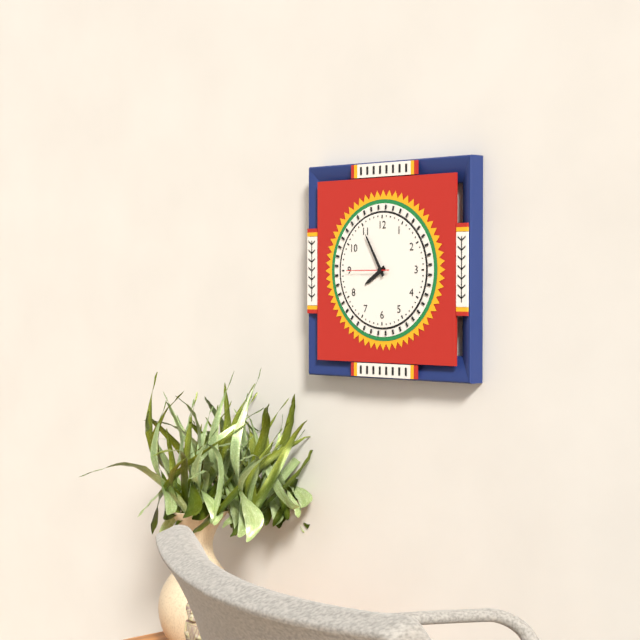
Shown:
7 h 55 min
